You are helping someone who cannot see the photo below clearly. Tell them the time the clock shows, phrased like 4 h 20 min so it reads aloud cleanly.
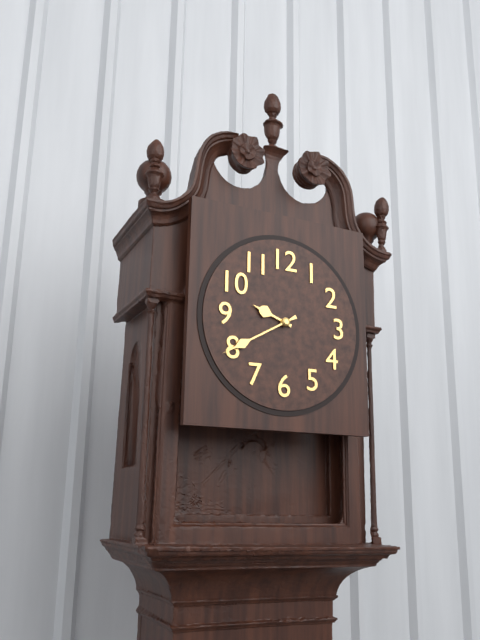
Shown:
9 h 40 min
